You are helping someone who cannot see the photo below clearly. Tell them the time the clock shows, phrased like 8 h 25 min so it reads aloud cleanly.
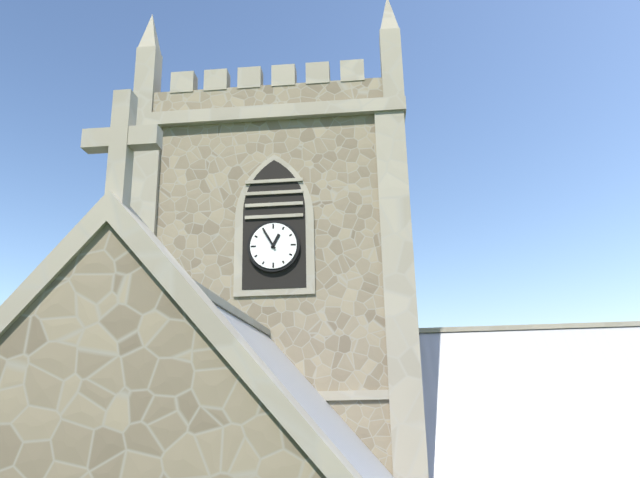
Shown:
12 h 55 min
